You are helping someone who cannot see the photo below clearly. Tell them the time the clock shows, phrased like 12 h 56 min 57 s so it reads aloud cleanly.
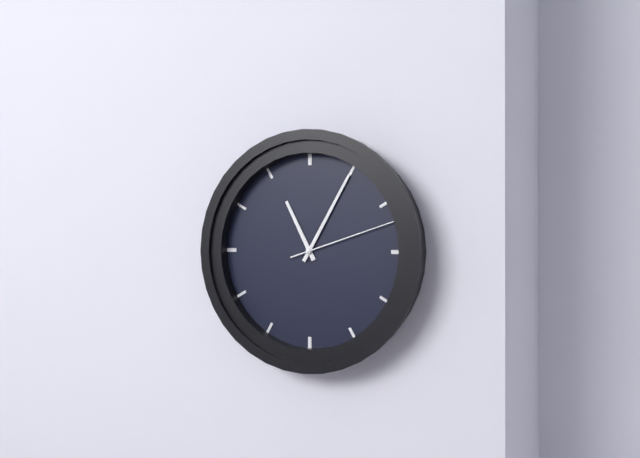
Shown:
11 h 05 min 12 s
